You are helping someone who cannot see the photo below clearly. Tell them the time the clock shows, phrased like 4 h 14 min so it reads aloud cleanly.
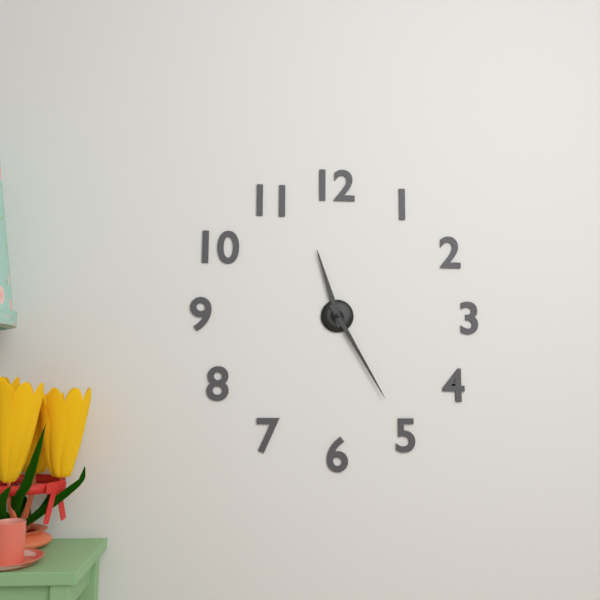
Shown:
11 h 25 min
